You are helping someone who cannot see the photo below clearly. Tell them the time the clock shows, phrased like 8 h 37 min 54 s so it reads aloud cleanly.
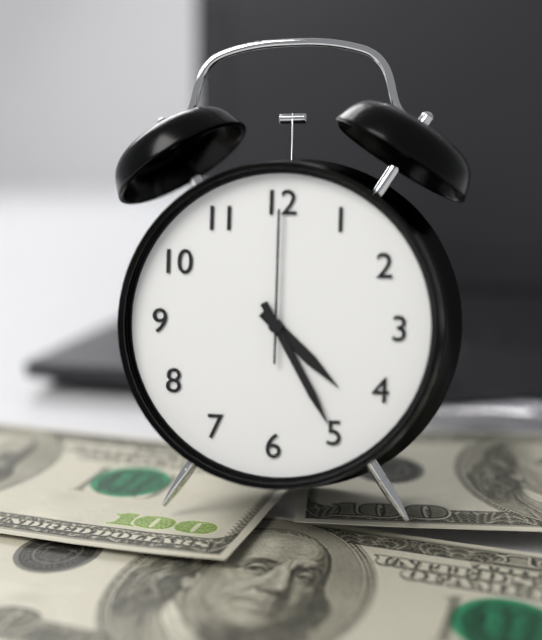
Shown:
4 h 25 min 00 s
